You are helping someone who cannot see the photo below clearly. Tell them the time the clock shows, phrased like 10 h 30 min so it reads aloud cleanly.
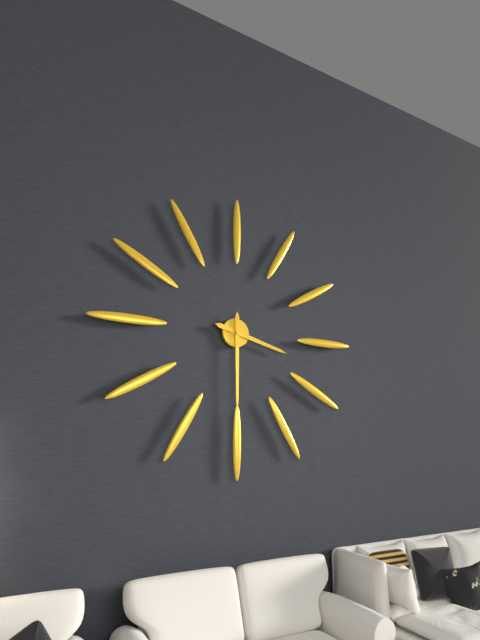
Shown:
3 h 30 min
